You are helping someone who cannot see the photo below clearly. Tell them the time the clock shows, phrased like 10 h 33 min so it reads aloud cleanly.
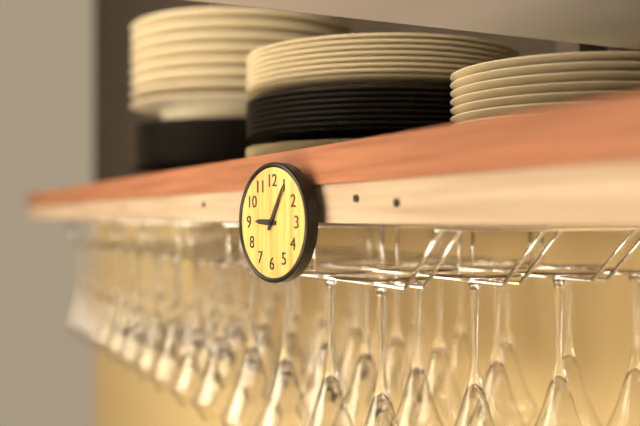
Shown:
9 h 05 min
